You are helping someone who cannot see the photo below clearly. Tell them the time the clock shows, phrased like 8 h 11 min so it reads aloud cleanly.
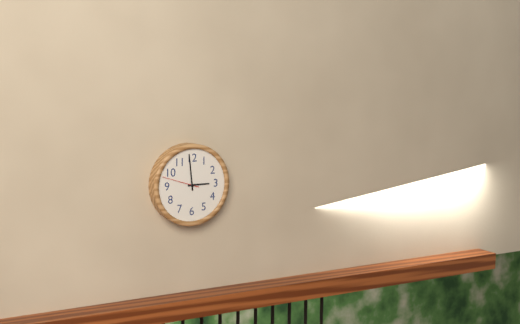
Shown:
2 h 59 min
